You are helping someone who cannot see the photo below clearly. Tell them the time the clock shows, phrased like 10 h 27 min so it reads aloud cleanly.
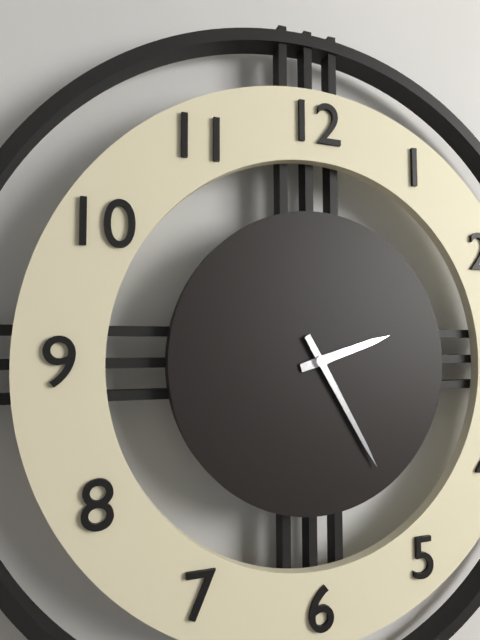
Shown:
2 h 25 min
